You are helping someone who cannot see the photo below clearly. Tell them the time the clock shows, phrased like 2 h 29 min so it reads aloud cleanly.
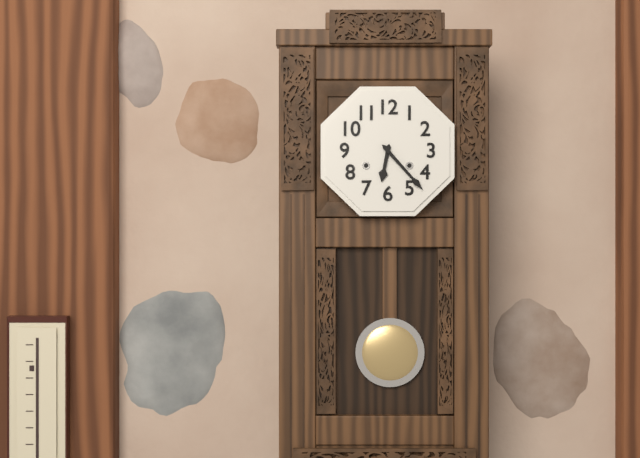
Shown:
6 h 23 min
